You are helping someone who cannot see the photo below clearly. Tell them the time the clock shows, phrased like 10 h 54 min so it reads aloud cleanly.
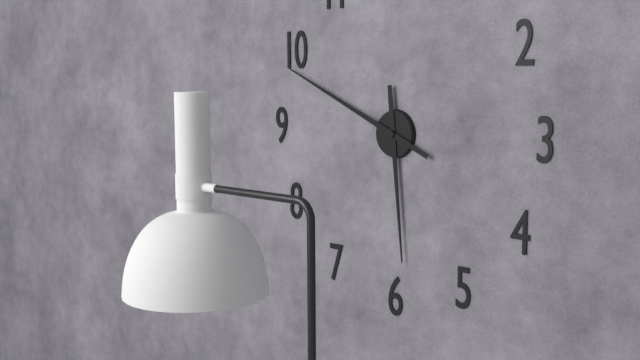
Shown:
5 h 49 min
